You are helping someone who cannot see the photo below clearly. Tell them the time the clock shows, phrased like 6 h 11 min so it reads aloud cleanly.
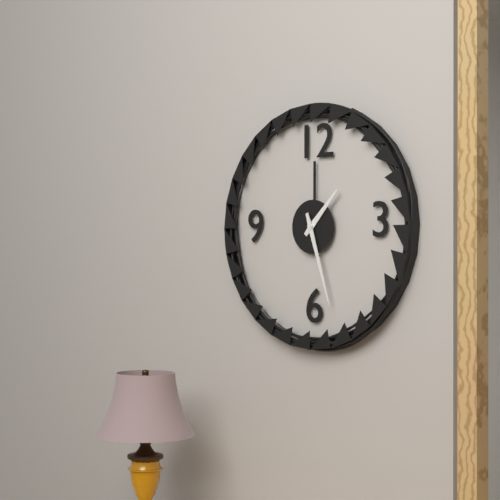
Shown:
1 h 27 min
